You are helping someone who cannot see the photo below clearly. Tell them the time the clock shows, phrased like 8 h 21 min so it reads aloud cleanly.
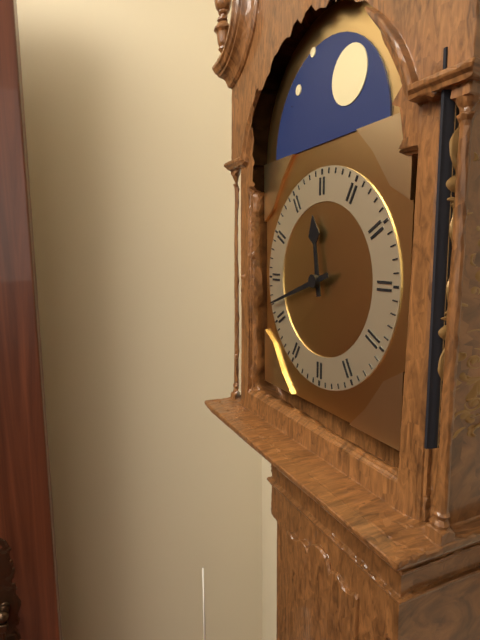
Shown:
11 h 42 min
